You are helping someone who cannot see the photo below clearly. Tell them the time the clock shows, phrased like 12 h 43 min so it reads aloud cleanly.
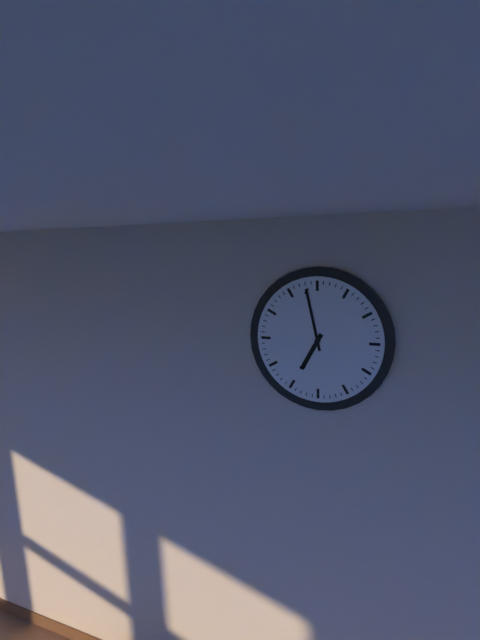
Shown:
6 h 58 min
